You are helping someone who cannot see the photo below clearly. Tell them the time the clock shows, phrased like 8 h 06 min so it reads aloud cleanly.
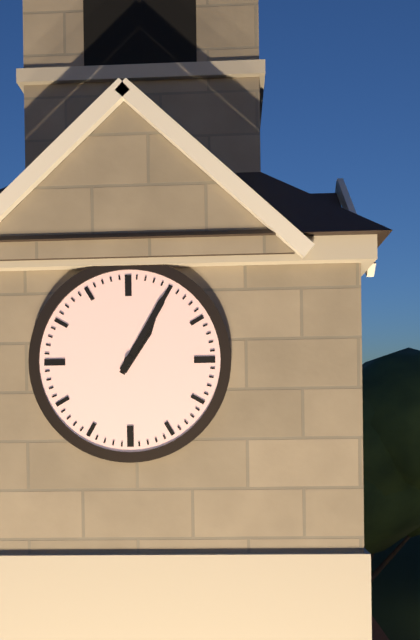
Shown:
1 h 05 min
